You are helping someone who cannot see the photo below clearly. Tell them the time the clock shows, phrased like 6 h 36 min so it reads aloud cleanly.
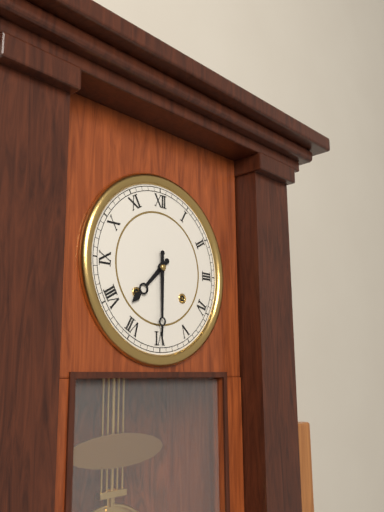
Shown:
7 h 30 min
